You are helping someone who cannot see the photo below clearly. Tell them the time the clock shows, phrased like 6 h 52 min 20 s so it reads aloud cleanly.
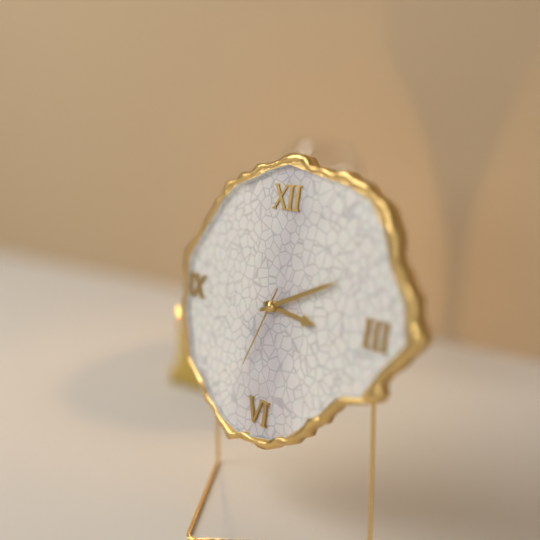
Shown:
3 h 11 min 34 s
